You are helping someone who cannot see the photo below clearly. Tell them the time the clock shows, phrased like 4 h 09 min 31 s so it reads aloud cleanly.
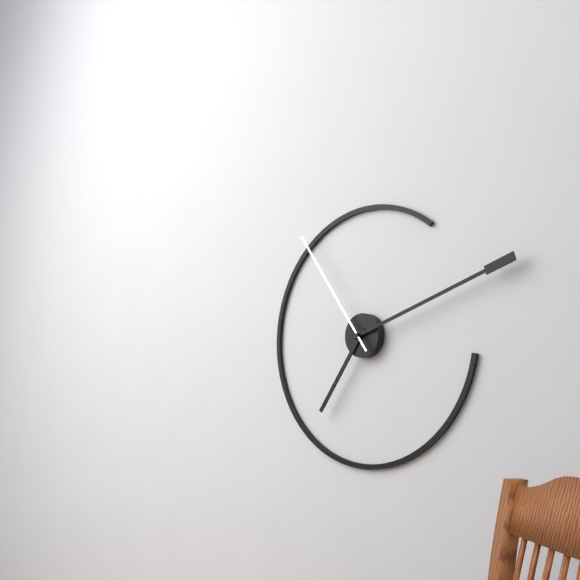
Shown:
7 h 12 min 54 s
